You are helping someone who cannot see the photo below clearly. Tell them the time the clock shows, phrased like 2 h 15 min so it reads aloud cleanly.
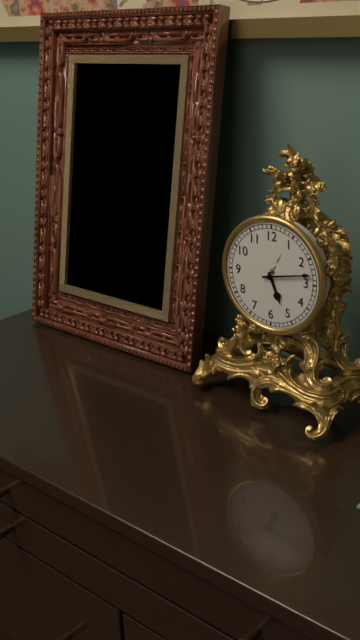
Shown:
5 h 13 min
